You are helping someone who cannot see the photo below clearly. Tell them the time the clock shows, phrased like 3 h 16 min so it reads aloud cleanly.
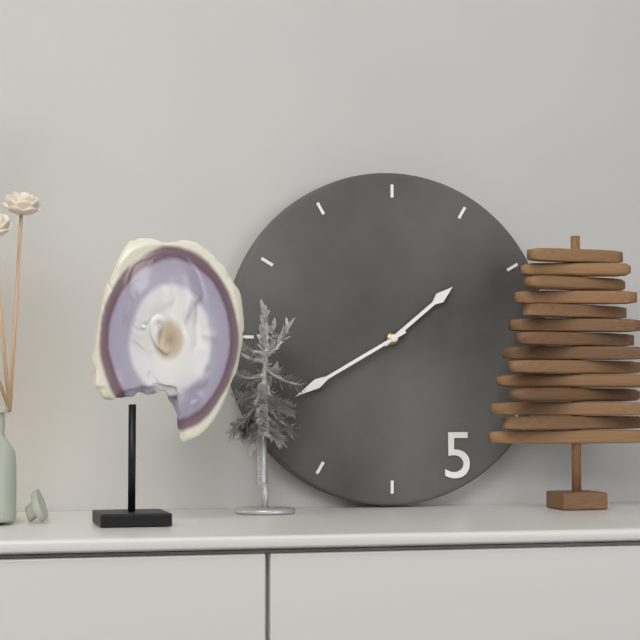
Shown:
1 h 40 min
